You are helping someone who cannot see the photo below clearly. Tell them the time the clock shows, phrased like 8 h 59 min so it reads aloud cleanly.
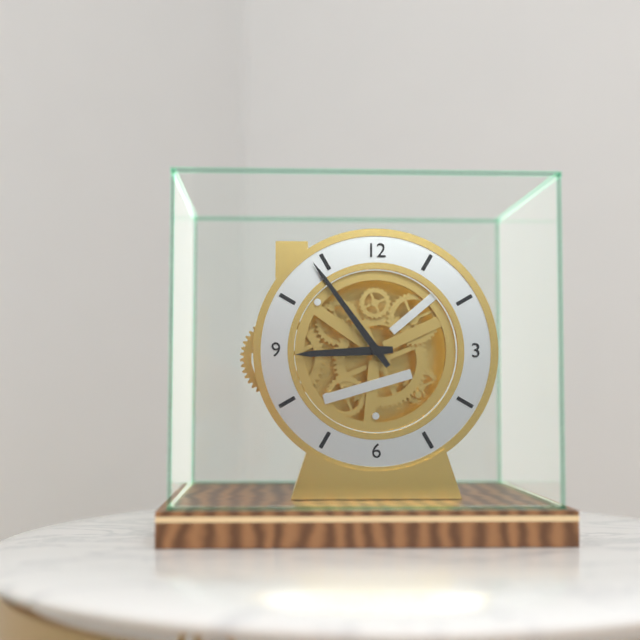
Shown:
8 h 54 min
